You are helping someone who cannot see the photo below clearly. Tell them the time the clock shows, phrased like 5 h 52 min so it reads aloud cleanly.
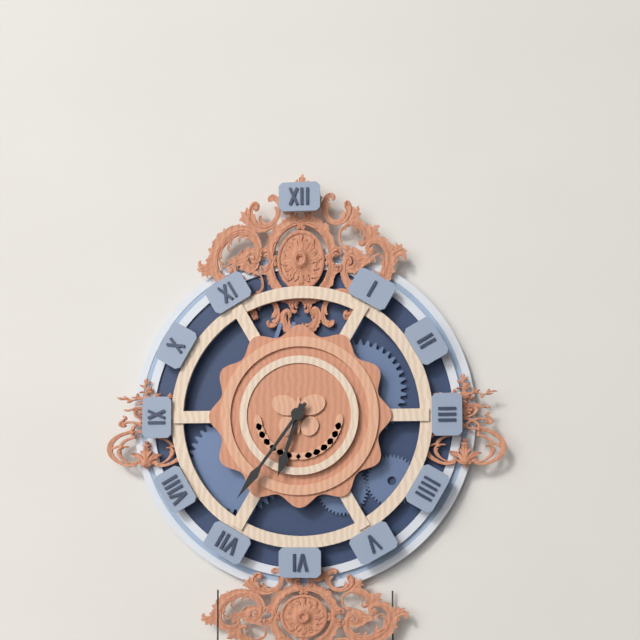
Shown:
6 h 36 min
